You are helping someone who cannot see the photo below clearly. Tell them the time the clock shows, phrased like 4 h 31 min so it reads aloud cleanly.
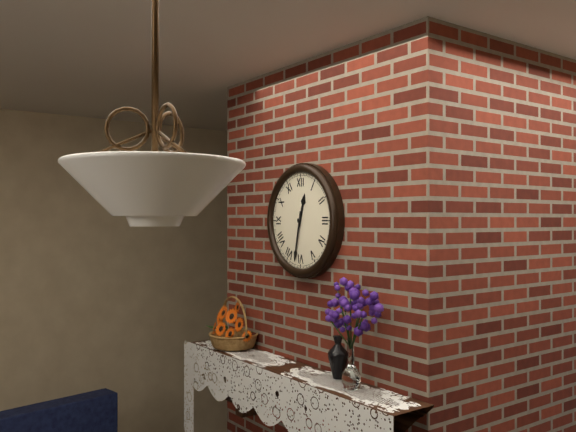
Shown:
12 h 32 min
